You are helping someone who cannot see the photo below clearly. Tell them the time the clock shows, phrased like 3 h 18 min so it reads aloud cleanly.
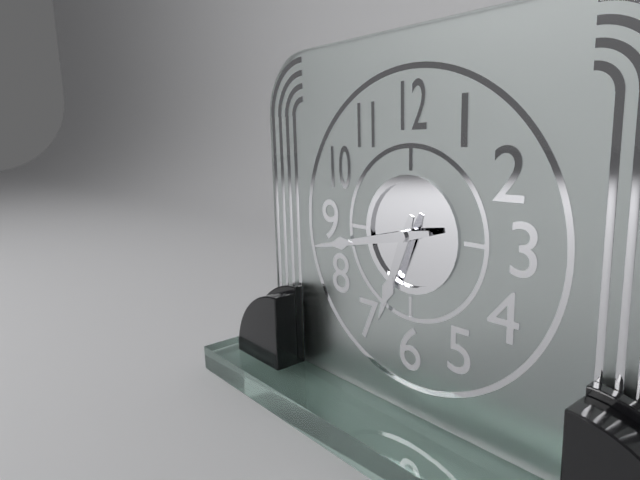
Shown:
6 h 43 min
